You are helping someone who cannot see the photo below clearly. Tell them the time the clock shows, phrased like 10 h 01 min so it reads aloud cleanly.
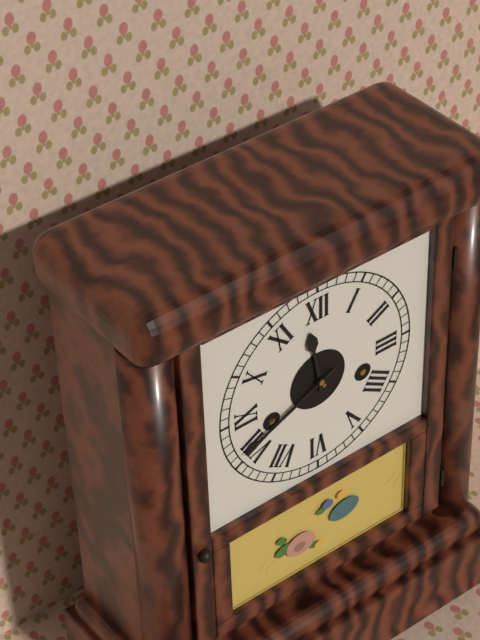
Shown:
11 h 41 min
